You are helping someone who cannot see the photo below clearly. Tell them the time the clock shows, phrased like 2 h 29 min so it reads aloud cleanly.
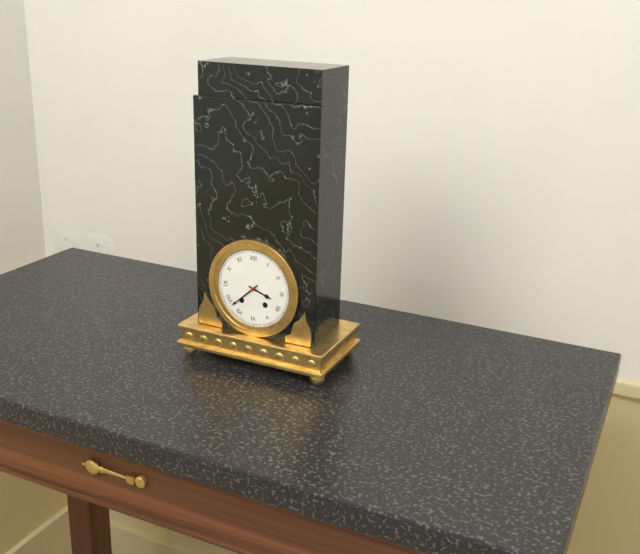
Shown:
3 h 38 min
